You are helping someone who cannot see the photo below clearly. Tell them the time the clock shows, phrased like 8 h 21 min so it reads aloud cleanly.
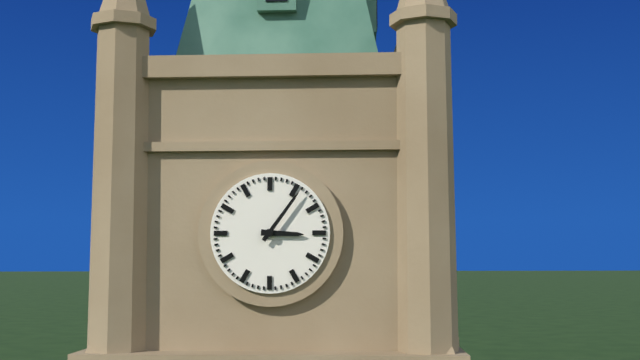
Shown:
3 h 06 min
